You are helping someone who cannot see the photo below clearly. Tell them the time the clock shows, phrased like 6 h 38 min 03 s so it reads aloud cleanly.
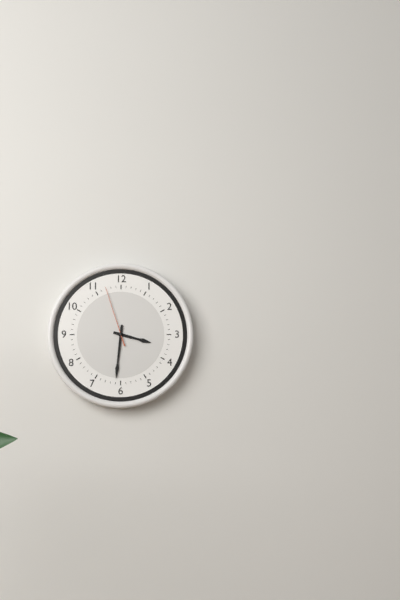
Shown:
3 h 31 min 57 s
